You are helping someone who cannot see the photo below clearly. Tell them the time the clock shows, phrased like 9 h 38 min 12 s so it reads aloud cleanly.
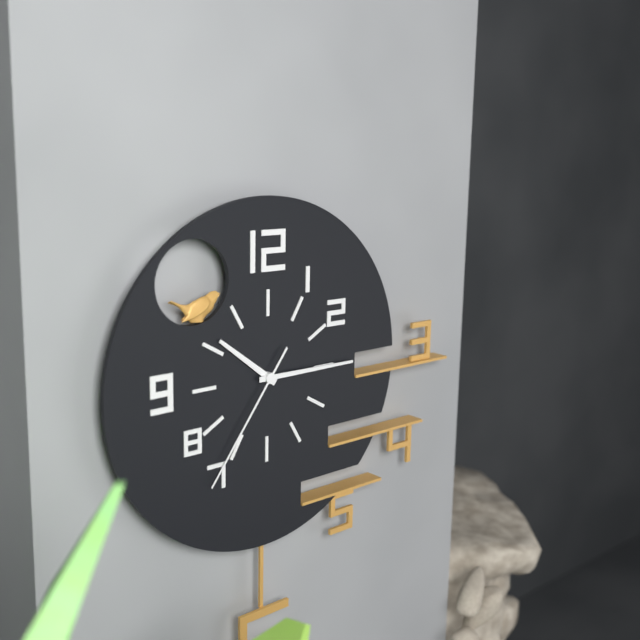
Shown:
10 h 15 min 36 s
